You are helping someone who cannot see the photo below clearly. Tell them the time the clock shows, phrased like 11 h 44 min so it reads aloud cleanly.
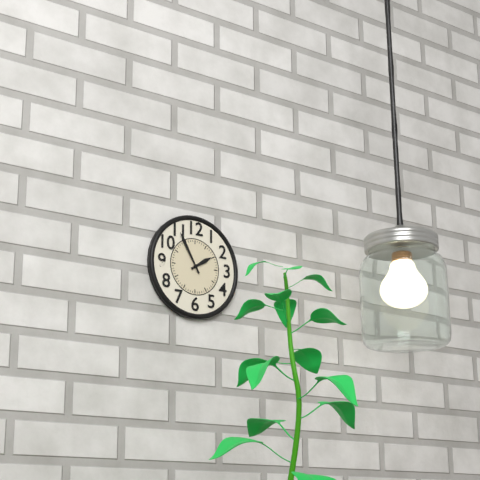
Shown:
1 h 55 min
